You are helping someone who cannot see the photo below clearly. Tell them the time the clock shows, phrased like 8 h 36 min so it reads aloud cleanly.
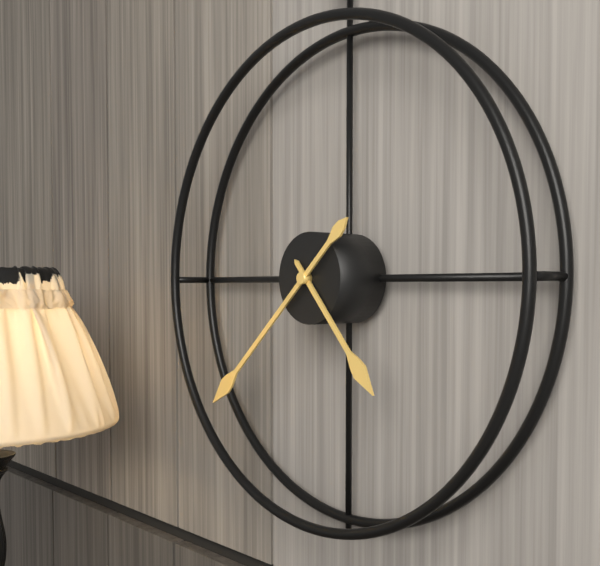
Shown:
4 h 38 min
